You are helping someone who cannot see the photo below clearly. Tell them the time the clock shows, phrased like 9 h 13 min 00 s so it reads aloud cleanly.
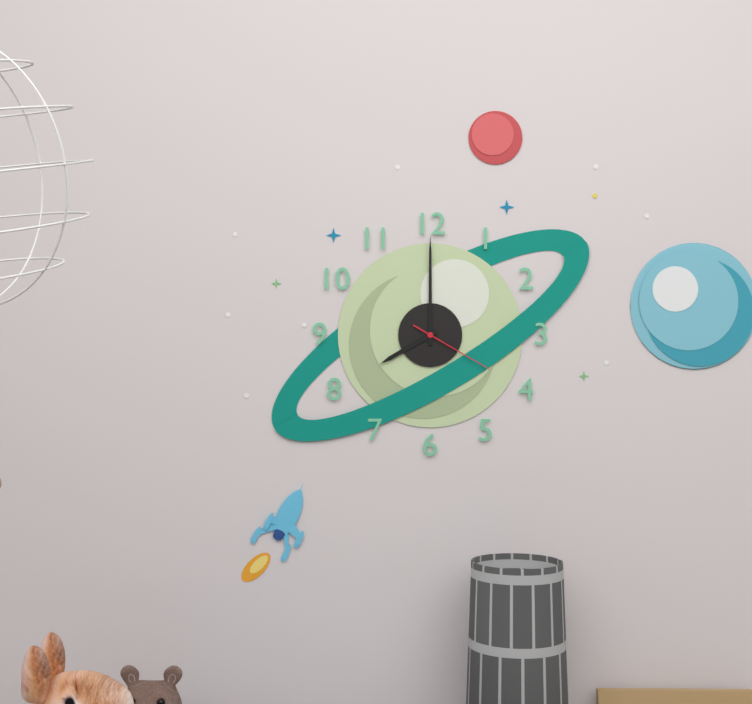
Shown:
8 h 00 min 20 s
